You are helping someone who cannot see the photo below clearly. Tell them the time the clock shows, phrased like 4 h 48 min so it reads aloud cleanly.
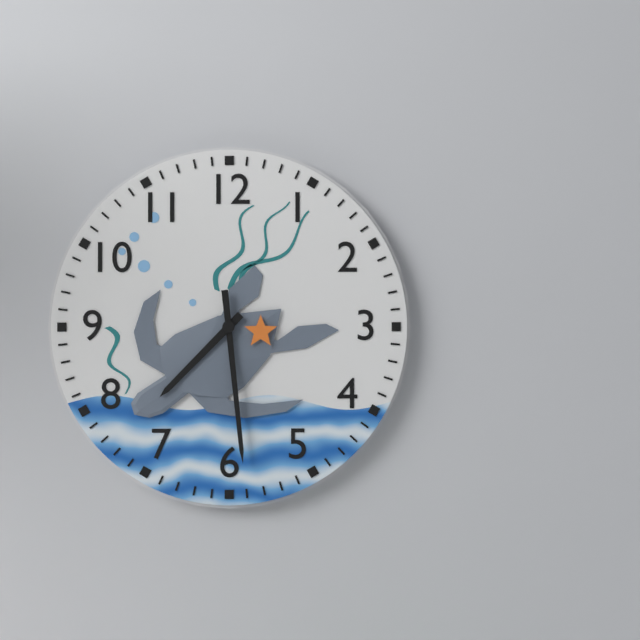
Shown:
7 h 29 min
